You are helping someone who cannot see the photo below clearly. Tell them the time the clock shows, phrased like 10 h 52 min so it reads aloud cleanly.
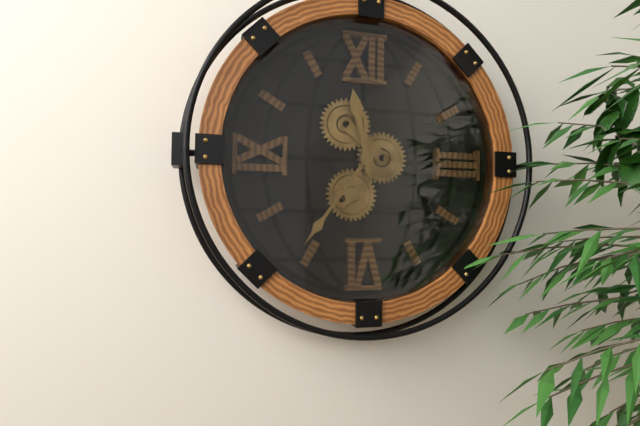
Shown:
11 h 36 min
